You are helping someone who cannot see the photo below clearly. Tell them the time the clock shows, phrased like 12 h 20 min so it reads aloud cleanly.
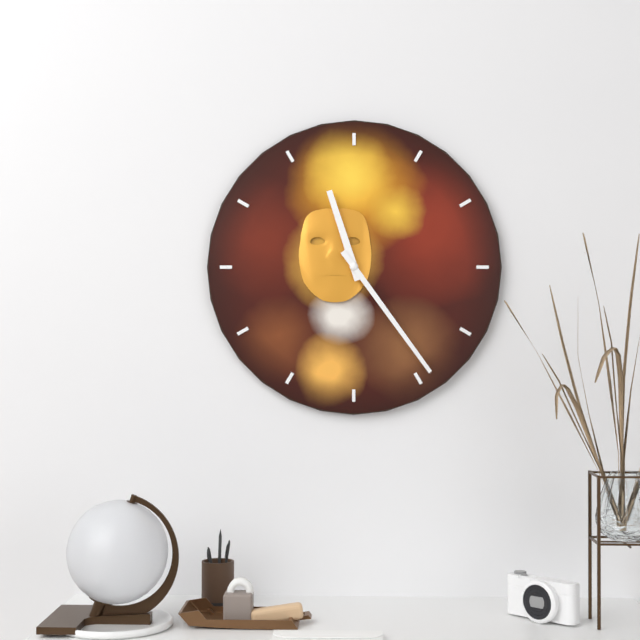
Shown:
11 h 24 min
